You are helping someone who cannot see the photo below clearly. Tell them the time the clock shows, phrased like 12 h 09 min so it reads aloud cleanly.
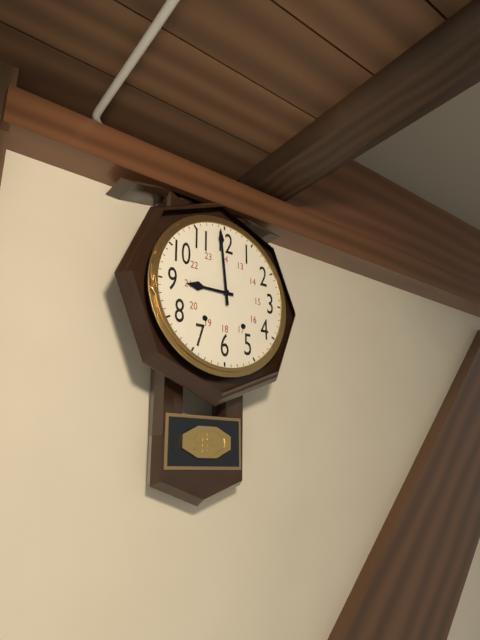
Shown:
8 h 59 min
